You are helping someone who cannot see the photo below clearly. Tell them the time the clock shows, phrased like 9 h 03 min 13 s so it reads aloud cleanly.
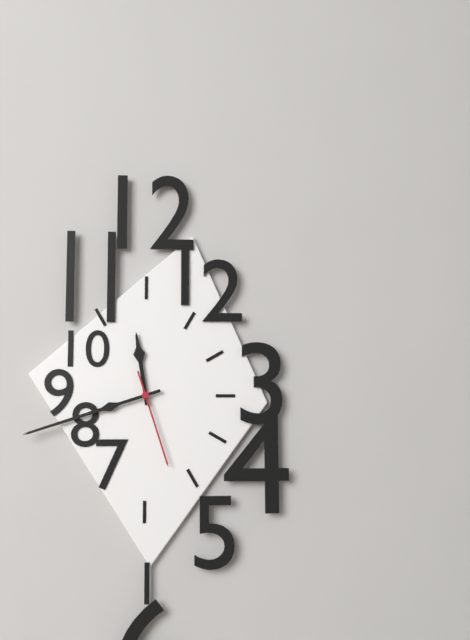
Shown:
11 h 42 min 27 s
